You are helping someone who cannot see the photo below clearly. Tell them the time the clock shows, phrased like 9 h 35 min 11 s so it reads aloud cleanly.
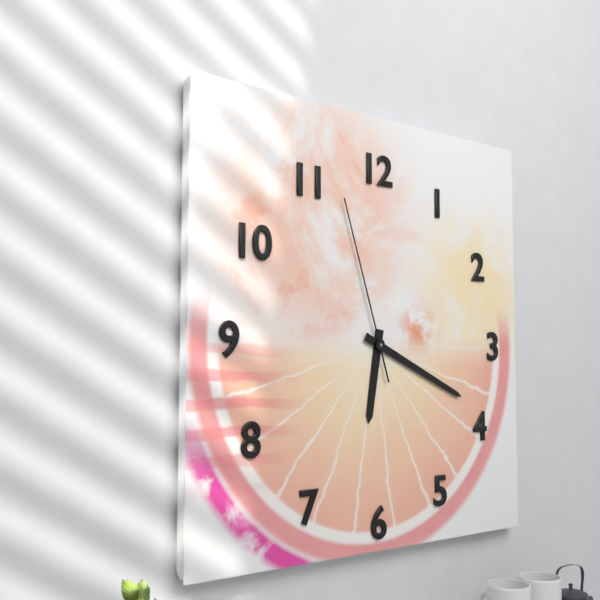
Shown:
6 h 19 min 57 s
